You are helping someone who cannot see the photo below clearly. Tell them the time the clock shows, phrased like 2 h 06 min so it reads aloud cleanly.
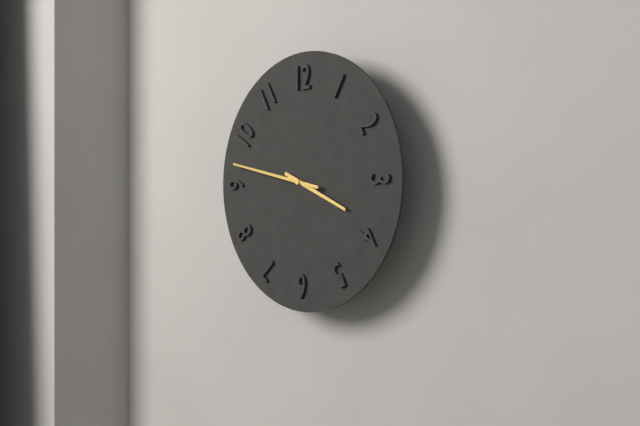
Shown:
3 h 47 min
